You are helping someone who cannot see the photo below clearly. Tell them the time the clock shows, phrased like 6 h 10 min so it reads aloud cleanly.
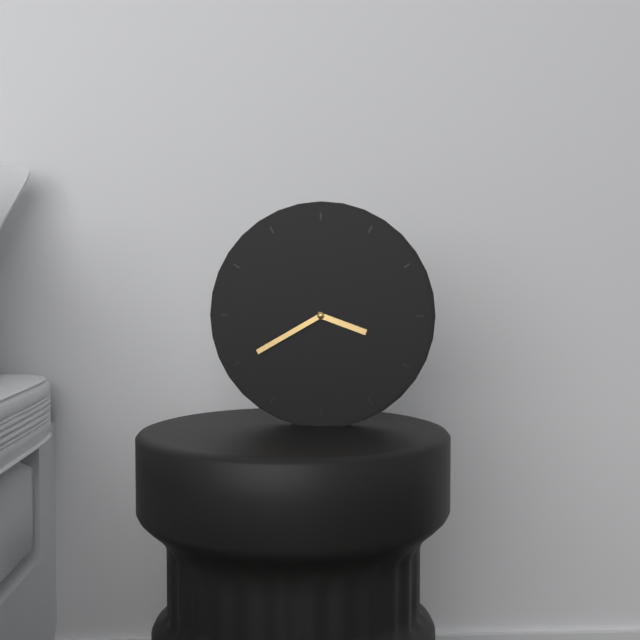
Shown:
3 h 40 min
